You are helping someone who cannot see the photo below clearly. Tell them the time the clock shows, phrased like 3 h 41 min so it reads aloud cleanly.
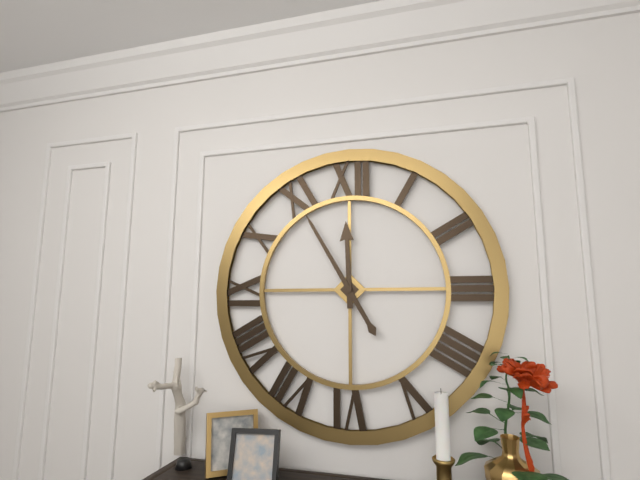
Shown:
11 h 55 min
